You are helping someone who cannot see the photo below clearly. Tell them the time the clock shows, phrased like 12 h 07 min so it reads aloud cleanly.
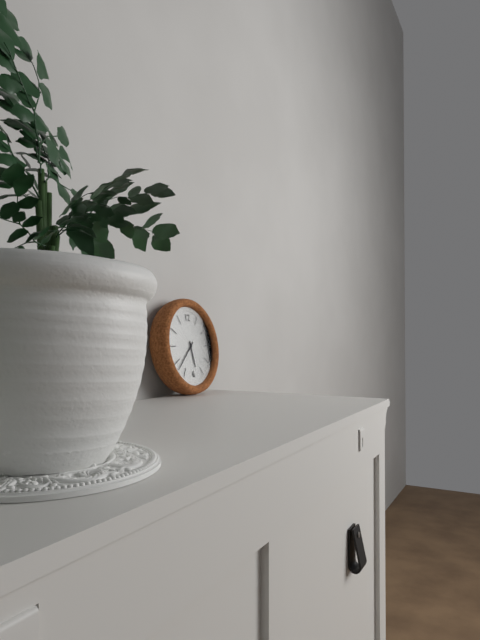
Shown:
5 h 38 min
